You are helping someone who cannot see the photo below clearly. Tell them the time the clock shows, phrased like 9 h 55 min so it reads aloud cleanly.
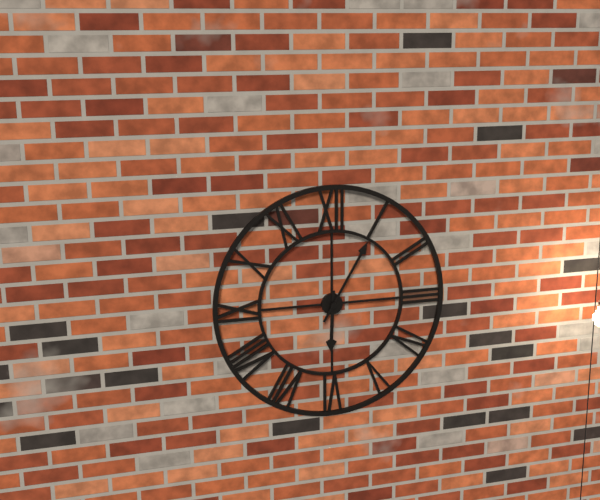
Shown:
6 h 05 min
